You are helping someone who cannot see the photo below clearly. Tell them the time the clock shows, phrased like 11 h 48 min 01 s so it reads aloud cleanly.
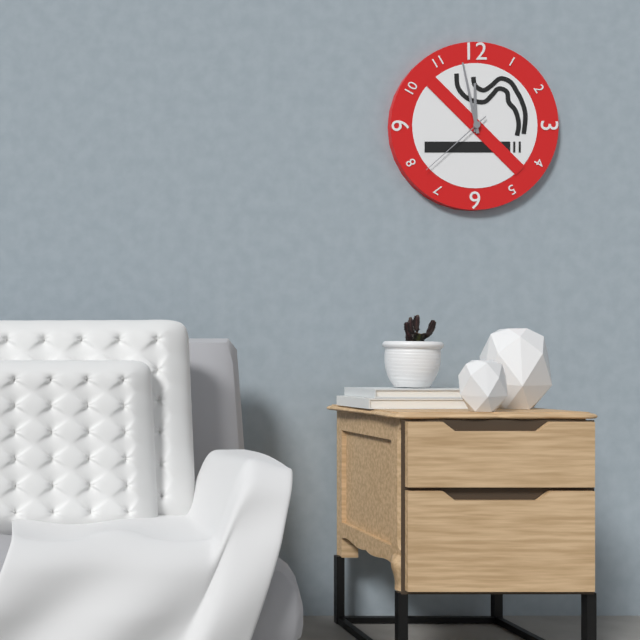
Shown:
11 h 58 min 38 s
